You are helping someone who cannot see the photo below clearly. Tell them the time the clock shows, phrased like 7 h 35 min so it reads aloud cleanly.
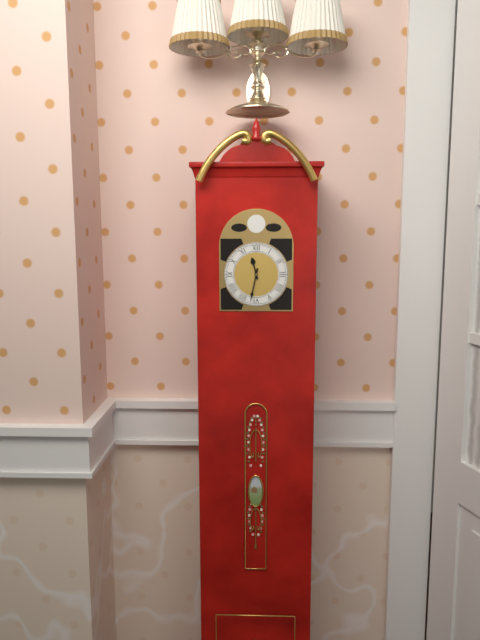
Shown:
11 h 32 min
